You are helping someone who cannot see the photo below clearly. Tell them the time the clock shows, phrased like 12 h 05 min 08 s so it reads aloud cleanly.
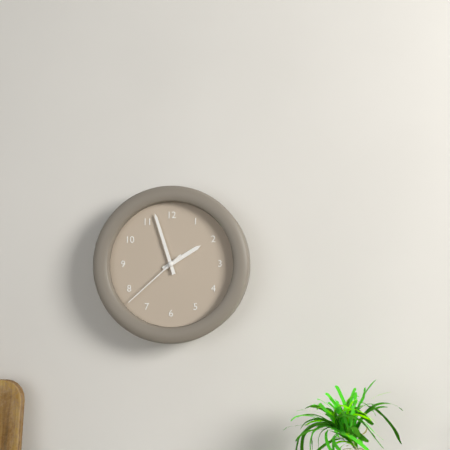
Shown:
1 h 57 min 38 s
